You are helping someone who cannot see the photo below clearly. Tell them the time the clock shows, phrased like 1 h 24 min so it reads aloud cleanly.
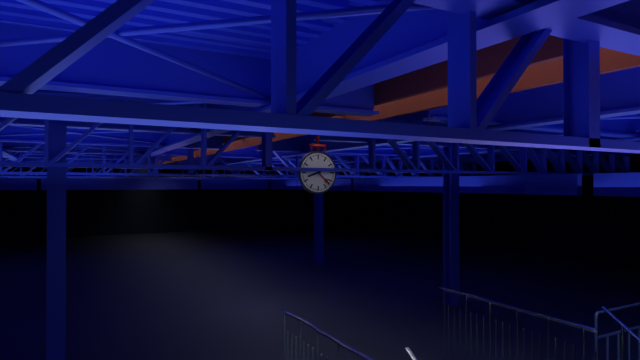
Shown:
8 h 22 min
